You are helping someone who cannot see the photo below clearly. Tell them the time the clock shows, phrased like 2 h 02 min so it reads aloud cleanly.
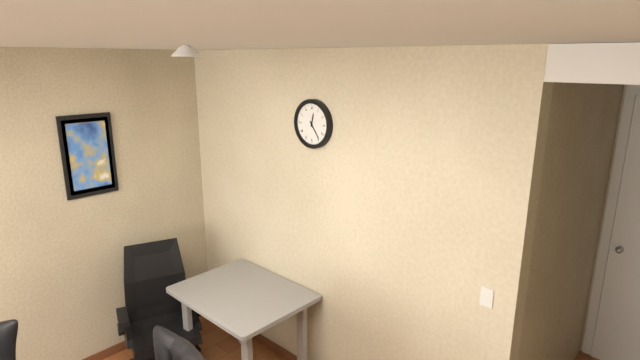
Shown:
12 h 24 min
